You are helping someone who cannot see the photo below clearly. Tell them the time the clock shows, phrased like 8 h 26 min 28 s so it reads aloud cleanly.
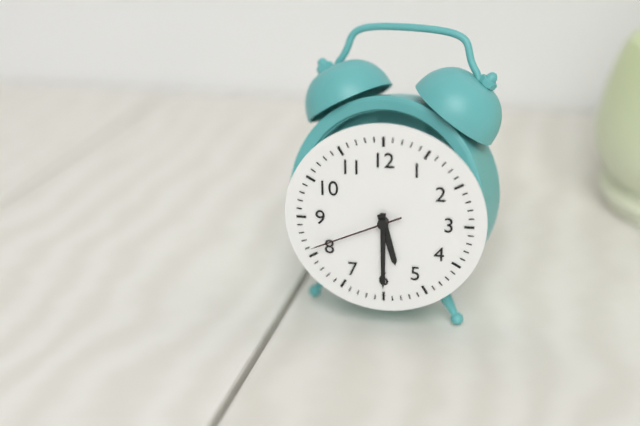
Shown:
5 h 30 min 41 s
